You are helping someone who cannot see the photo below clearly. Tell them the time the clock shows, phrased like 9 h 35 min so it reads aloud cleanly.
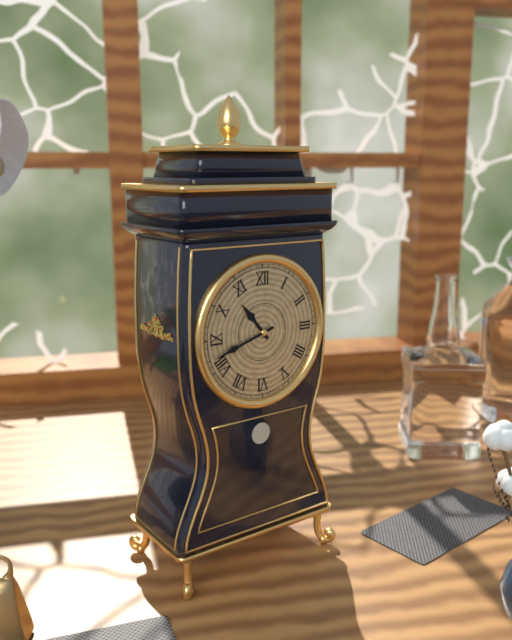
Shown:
10 h 42 min
